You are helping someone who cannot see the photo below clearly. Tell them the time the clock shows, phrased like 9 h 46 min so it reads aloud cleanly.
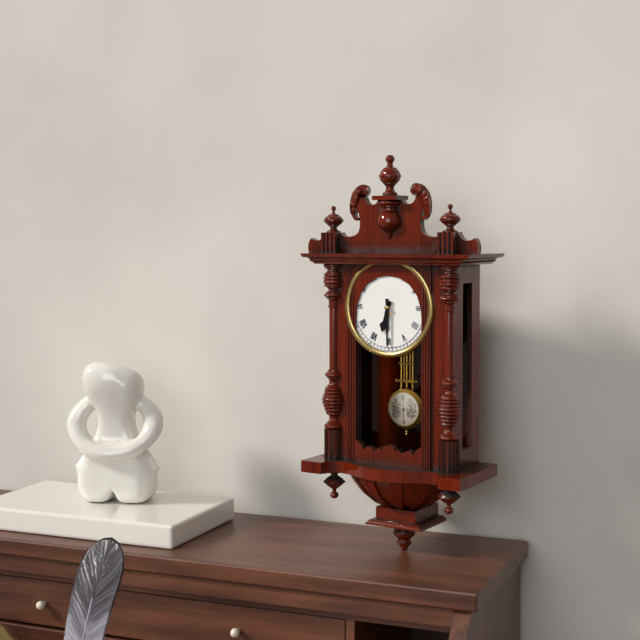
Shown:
6 h 30 min
